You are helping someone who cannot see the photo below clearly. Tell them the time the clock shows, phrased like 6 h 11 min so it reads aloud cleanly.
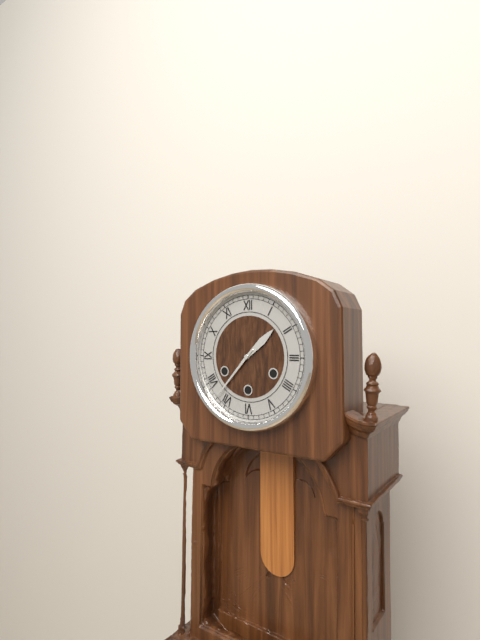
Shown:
1 h 37 min
